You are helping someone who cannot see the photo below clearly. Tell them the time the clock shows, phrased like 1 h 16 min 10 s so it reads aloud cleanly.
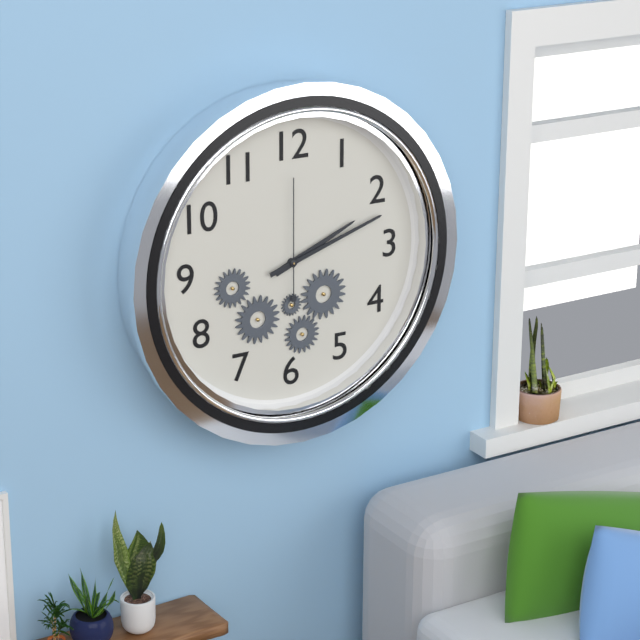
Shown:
2 h 12 min 00 s
